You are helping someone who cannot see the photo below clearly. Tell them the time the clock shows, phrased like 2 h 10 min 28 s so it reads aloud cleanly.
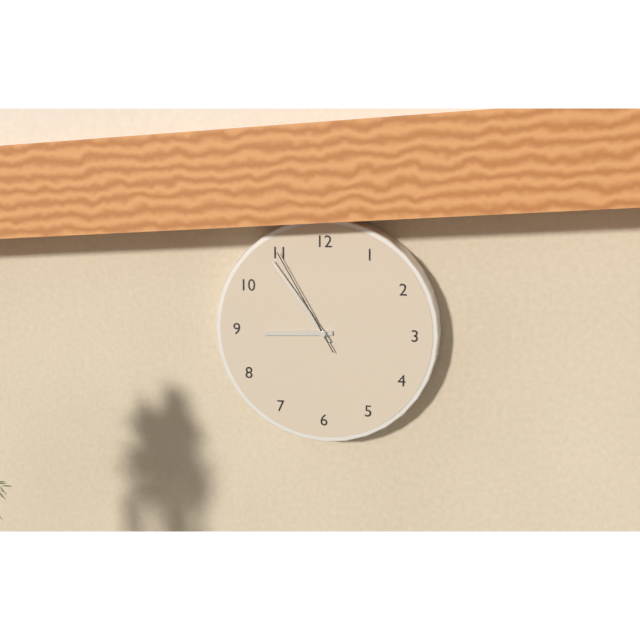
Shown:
8 h 54 min 55 s
